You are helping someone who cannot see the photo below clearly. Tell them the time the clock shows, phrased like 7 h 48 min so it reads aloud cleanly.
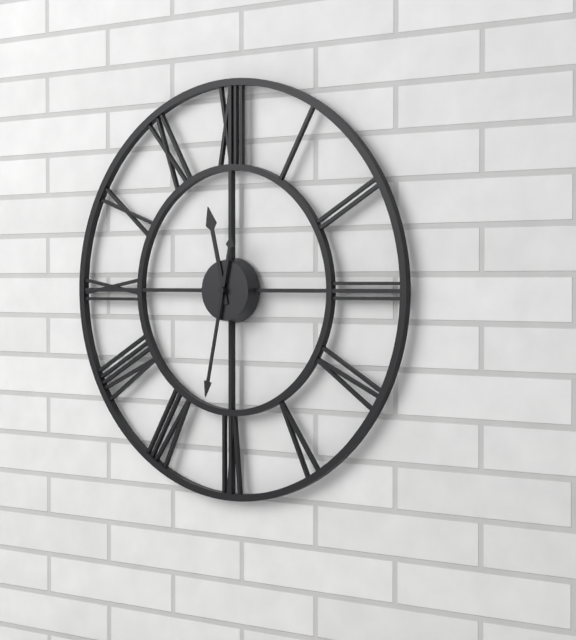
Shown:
11 h 32 min
